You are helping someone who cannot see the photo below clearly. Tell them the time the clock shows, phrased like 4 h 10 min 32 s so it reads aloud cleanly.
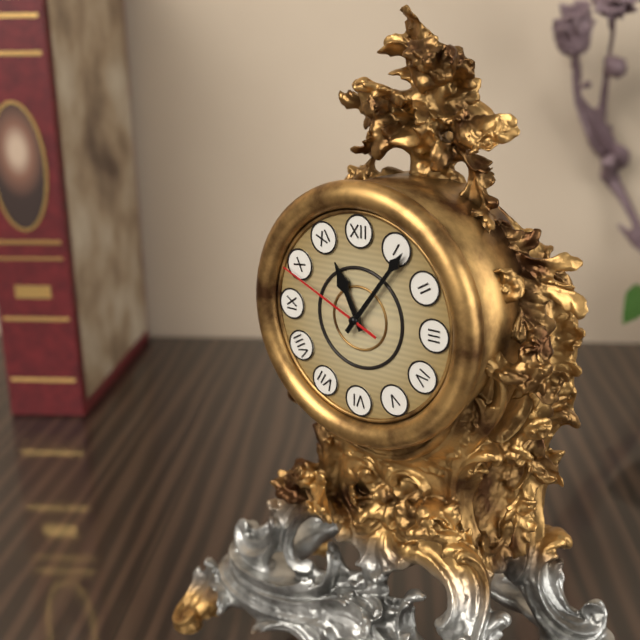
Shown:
11 h 06 min 49 s
